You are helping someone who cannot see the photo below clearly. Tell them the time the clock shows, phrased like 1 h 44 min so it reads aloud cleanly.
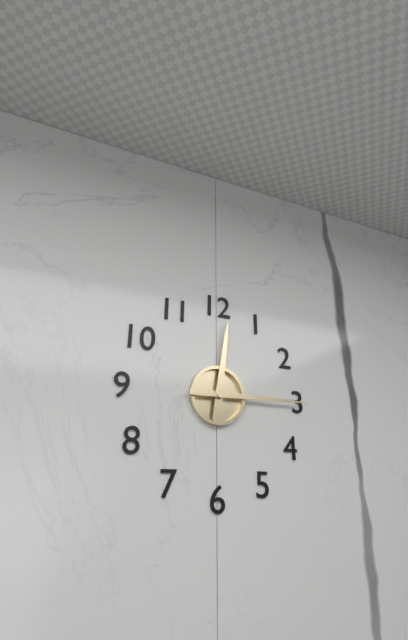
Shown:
12 h 15 min
